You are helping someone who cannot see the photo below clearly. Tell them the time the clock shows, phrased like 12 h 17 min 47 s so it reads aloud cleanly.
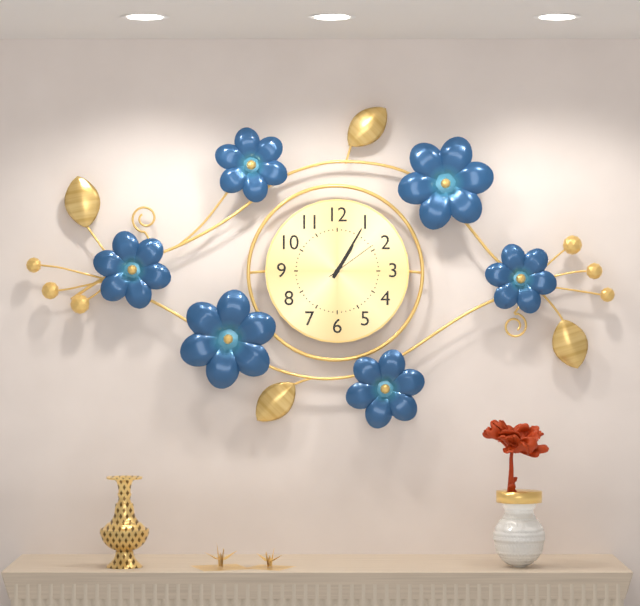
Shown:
1 h 05 min 09 s
